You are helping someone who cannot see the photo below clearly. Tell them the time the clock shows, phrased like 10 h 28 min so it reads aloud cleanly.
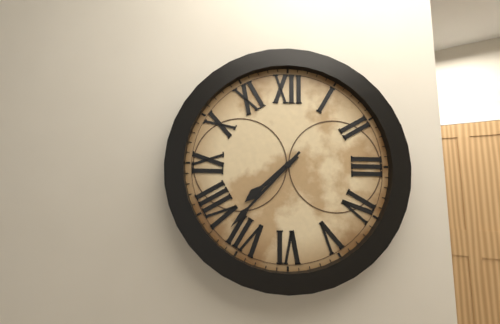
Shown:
7 h 37 min
